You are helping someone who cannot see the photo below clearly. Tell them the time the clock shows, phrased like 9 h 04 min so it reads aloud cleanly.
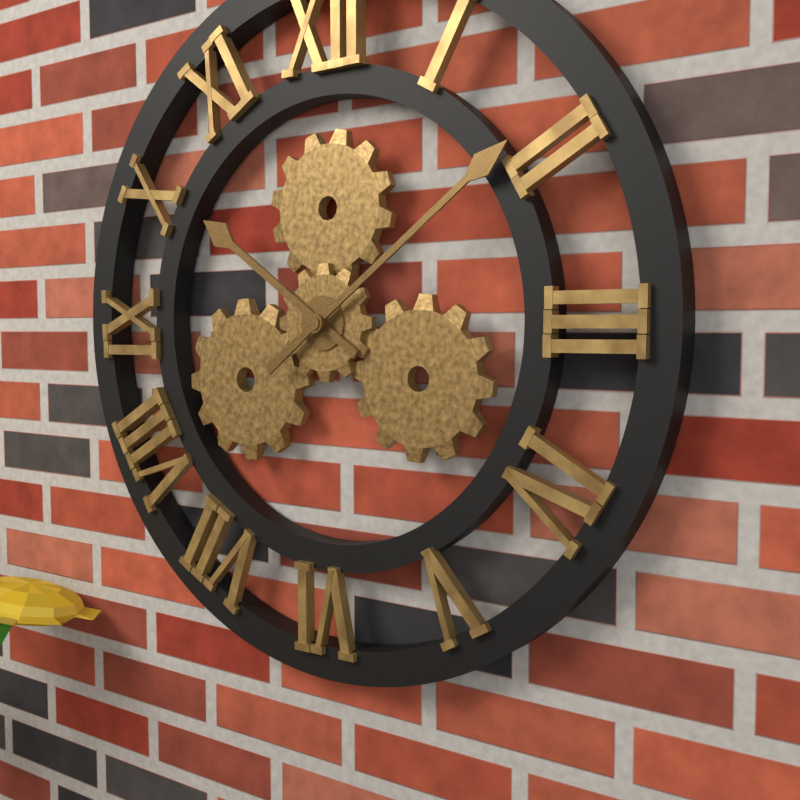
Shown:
10 h 09 min
